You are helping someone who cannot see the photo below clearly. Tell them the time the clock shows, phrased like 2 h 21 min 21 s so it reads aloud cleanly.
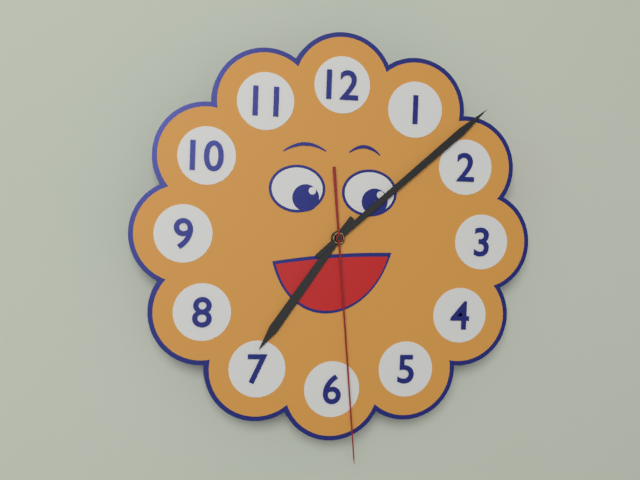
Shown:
7 h 08 min 29 s
